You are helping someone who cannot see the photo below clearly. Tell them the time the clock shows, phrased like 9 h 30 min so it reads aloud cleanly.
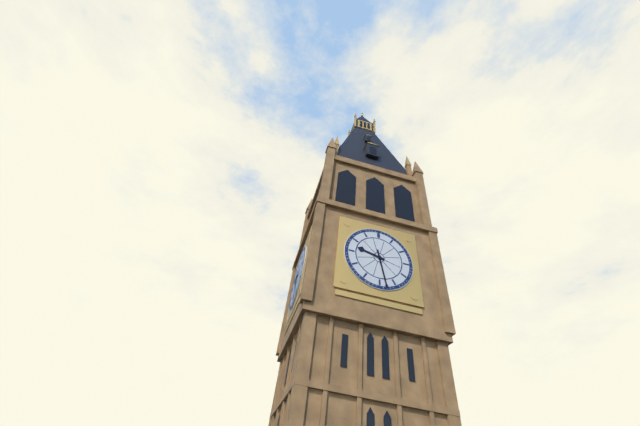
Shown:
9 h 28 min
